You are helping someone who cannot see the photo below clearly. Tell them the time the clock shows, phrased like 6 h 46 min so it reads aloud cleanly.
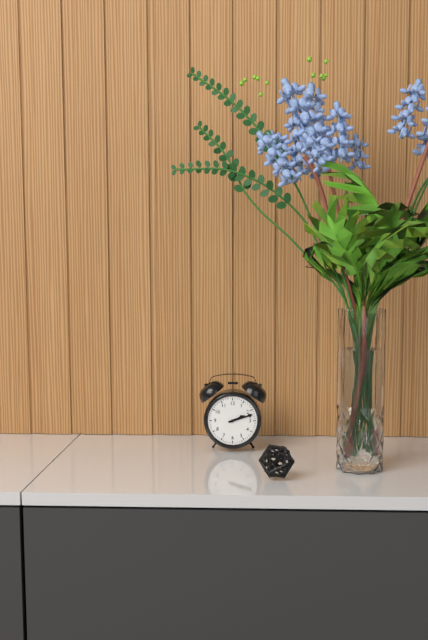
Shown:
2 h 12 min
